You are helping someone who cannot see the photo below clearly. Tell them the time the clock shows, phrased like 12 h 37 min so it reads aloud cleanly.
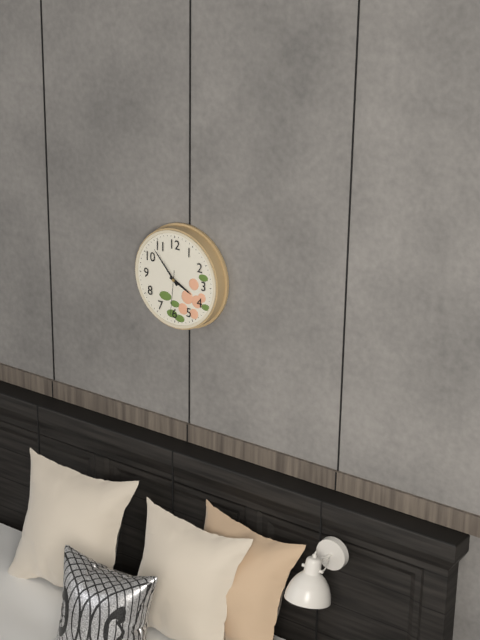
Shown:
3 h 53 min
